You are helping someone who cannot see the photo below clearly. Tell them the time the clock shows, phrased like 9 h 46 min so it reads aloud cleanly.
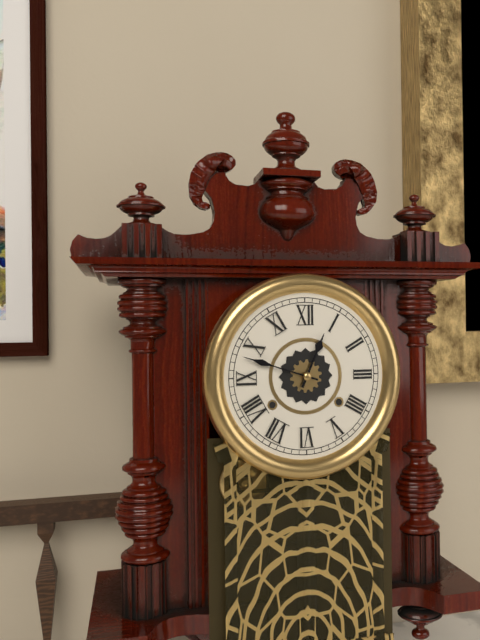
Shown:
12 h 48 min
